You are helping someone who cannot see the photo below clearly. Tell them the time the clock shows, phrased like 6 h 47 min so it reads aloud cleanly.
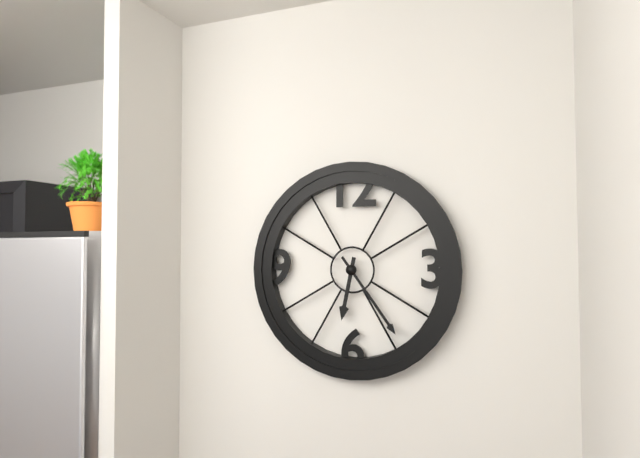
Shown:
6 h 24 min
